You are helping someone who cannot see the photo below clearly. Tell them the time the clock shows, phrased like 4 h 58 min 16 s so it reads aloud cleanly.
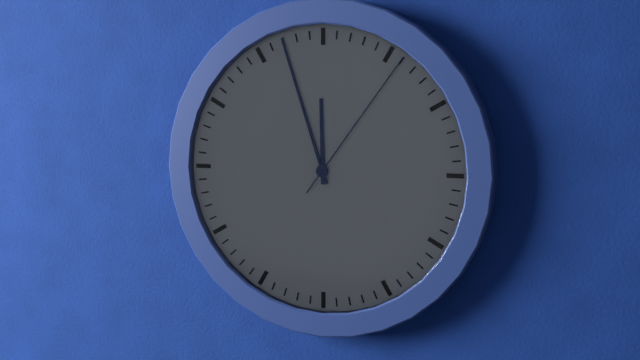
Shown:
11 h 57 min 06 s
